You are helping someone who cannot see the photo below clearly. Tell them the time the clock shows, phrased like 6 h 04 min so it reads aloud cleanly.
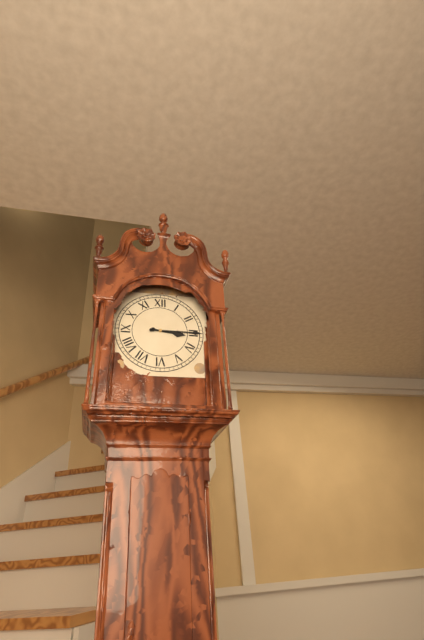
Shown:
3 h 15 min
